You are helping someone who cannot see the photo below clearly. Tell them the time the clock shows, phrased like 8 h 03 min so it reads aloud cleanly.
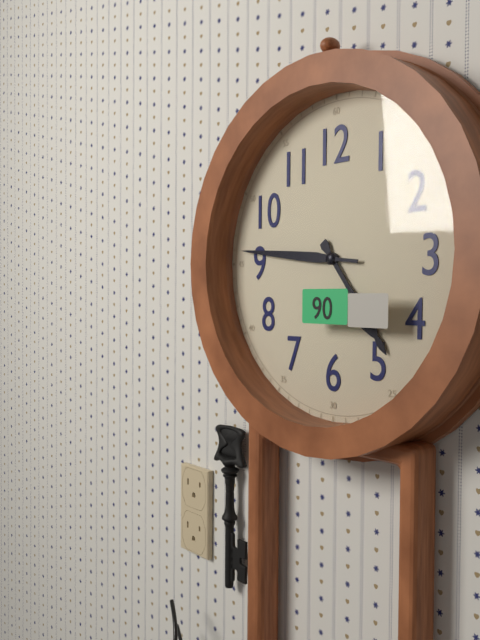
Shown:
4 h 46 min
